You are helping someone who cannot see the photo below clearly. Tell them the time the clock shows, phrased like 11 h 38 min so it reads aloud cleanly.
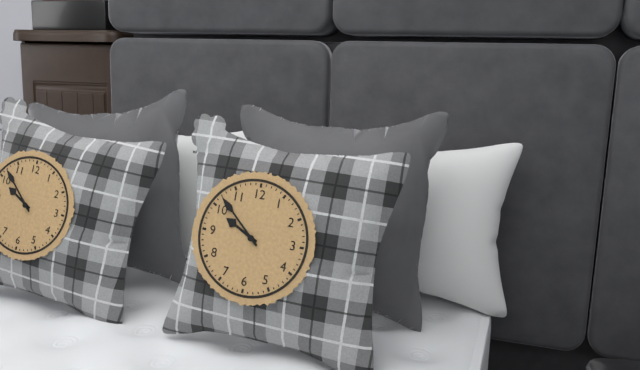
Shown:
9 h 52 min
